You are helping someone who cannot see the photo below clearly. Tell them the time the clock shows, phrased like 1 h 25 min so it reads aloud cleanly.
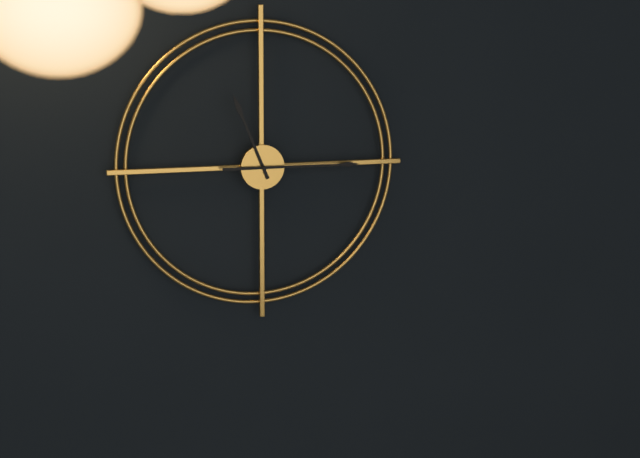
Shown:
11 h 15 min
